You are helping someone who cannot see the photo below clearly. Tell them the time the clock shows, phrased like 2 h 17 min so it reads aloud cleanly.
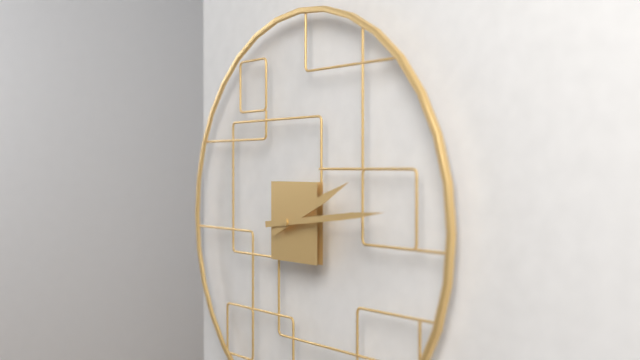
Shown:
2 h 14 min
